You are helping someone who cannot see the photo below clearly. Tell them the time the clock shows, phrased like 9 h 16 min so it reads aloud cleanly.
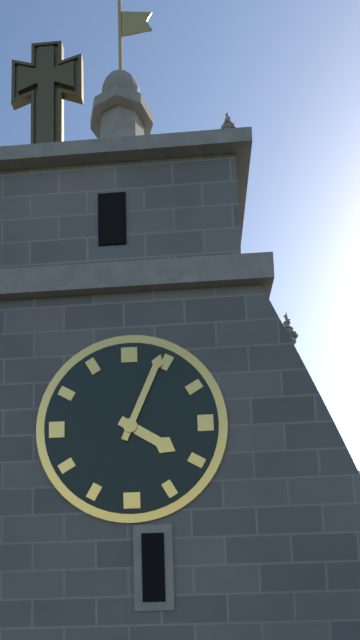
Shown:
4 h 04 min
